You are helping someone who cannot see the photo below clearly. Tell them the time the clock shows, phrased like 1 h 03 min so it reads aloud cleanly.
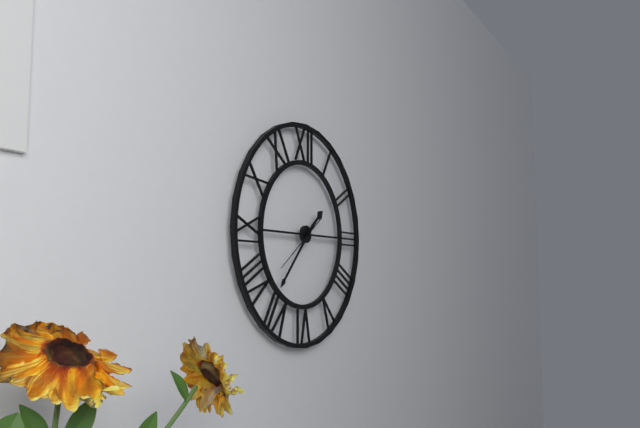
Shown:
1 h 37 min
